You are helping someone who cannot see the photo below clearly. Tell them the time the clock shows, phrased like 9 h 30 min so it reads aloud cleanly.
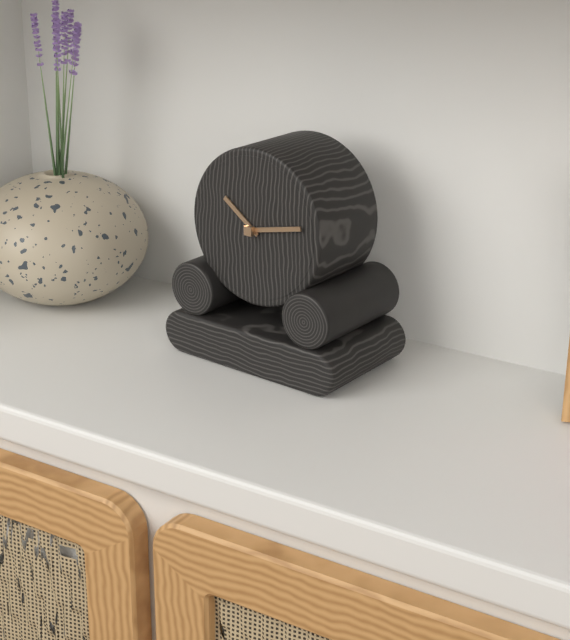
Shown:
10 h 13 min
